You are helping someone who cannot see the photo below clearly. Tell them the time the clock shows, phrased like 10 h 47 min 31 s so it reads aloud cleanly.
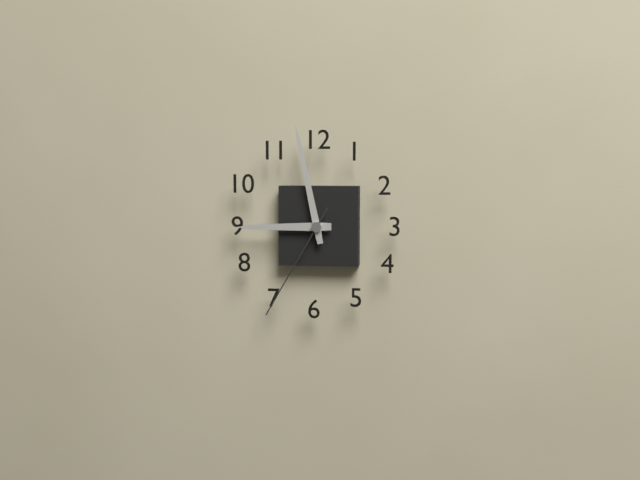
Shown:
8 h 58 min 35 s
